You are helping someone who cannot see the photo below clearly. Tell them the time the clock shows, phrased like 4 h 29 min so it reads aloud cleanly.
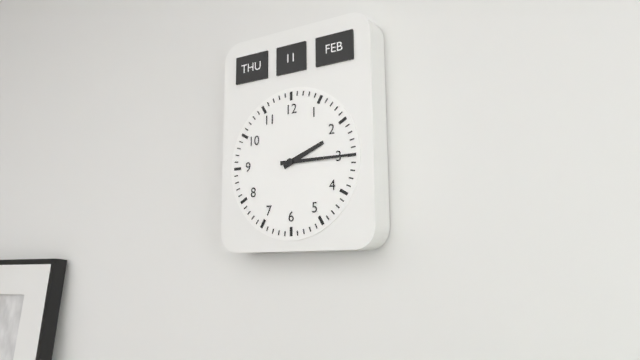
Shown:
2 h 15 min
